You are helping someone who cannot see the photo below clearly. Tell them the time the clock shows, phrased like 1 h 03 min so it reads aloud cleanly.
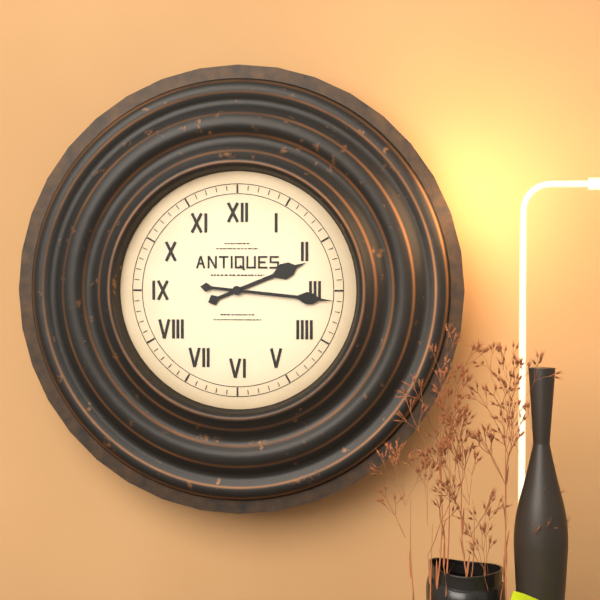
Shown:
2 h 16 min
